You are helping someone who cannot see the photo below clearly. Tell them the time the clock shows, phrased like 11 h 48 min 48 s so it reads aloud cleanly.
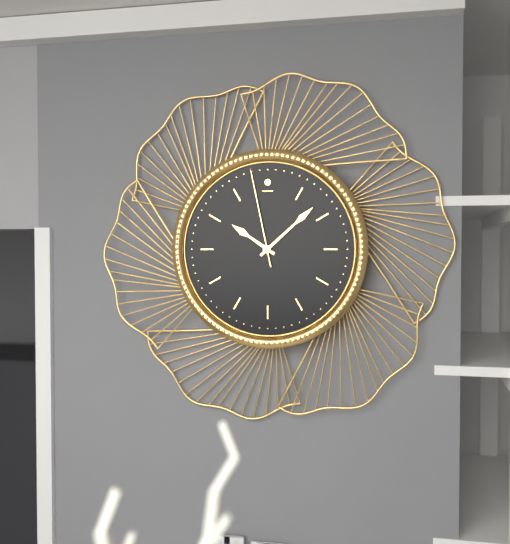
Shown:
10 h 08 min 58 s
